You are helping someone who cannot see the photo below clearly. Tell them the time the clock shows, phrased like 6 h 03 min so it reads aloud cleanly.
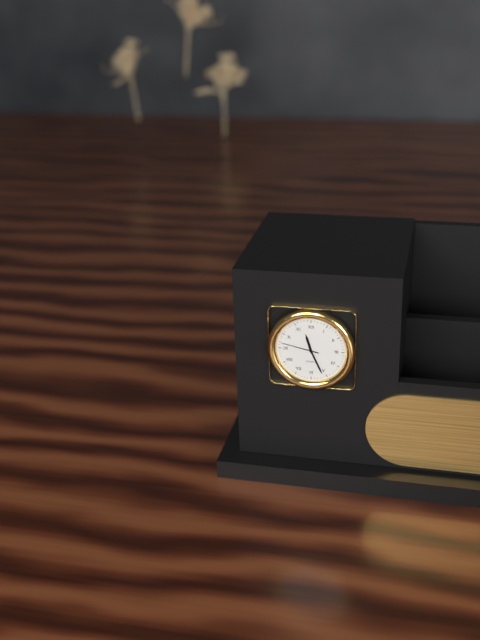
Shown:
11 h 26 min
